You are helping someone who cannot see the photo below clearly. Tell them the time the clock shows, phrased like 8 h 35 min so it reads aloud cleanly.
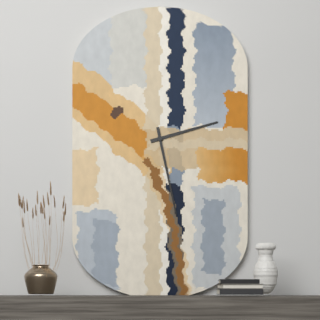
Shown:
2 h 28 min
